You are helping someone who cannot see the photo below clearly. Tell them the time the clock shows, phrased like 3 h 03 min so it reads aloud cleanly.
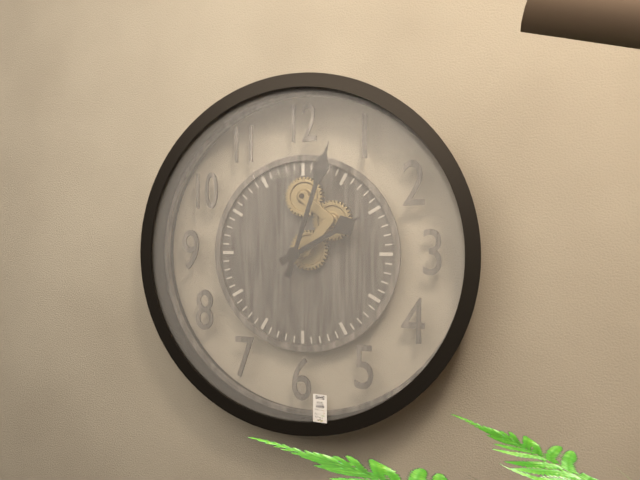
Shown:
2 h 03 min
